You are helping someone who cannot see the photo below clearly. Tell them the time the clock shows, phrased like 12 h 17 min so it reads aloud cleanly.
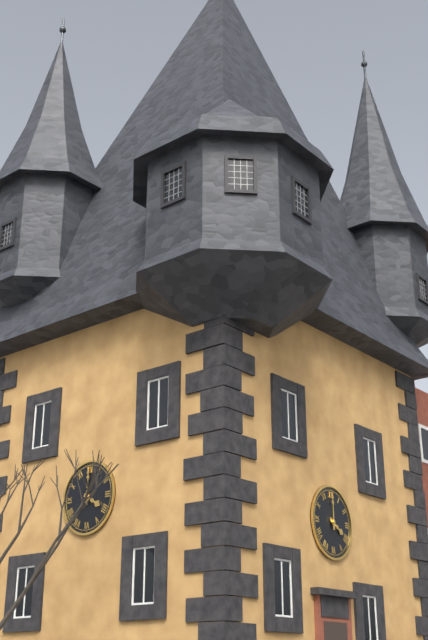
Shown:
4 h 00 min
